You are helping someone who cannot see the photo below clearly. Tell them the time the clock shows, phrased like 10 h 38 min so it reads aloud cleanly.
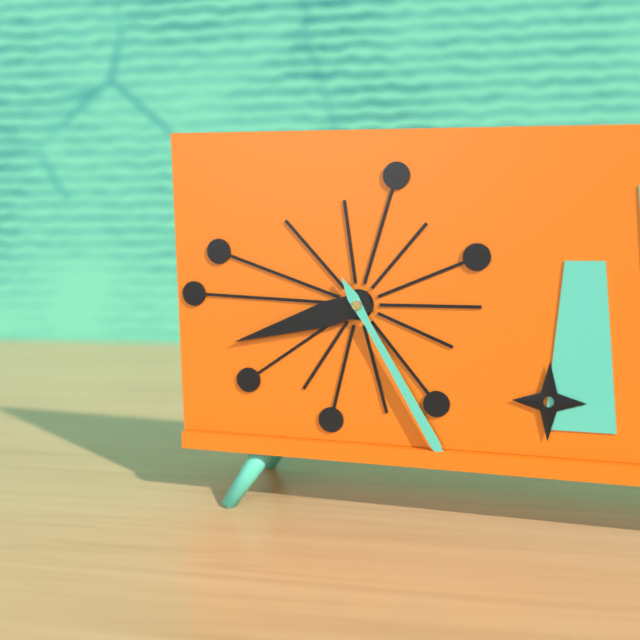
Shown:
8 h 25 min
